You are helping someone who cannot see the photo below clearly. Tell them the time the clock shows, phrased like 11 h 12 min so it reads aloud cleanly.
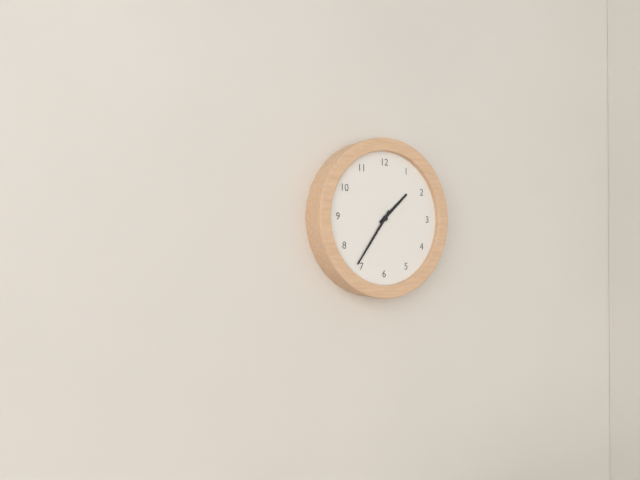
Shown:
1 h 36 min
